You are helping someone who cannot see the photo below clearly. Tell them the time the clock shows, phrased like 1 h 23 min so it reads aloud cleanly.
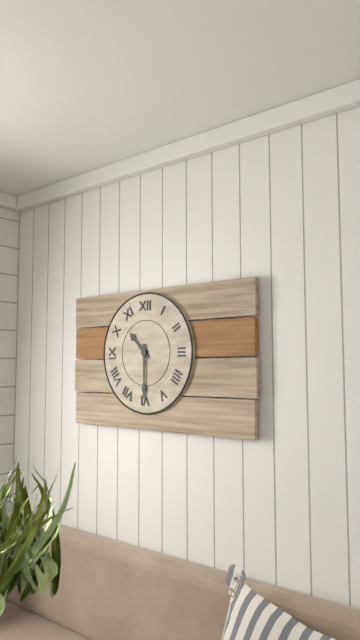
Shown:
10 h 30 min
